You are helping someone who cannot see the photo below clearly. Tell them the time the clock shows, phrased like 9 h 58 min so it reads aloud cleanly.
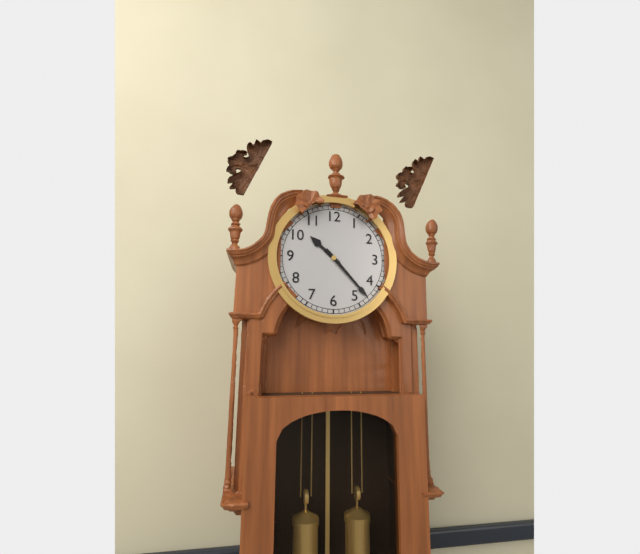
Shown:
10 h 23 min
